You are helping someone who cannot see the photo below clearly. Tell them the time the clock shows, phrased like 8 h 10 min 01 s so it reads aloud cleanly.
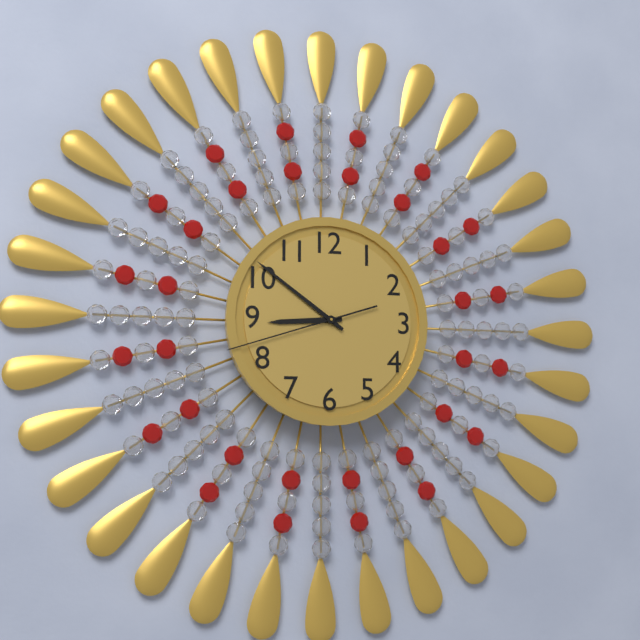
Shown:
8 h 51 min 42 s
